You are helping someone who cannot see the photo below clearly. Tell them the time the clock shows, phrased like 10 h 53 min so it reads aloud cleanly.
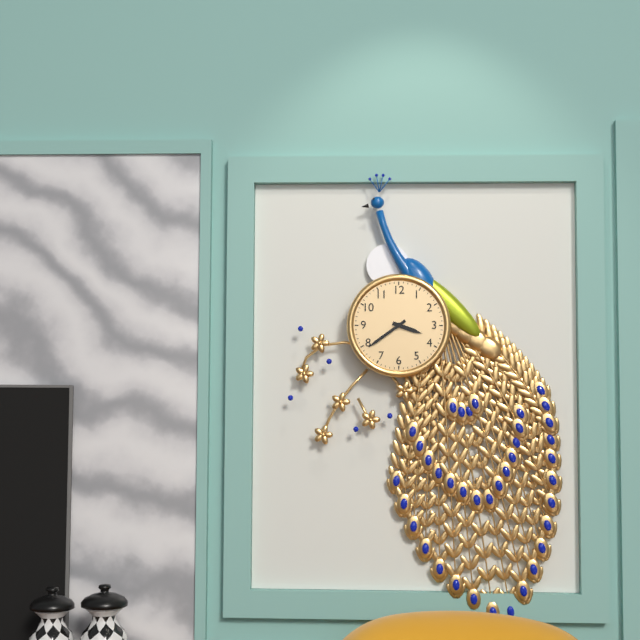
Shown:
3 h 39 min
